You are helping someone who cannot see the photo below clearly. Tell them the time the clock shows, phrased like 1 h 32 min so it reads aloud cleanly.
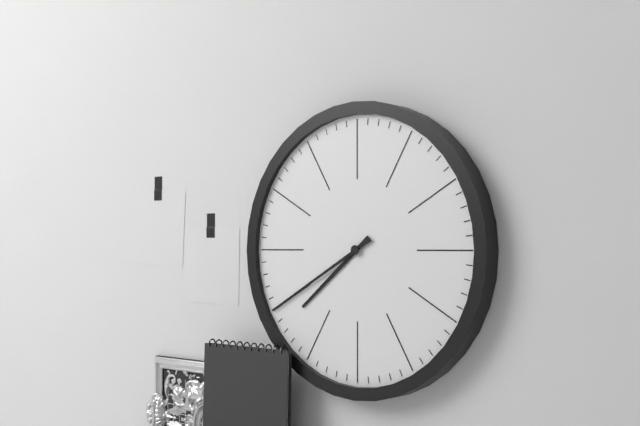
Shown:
7 h 40 min
